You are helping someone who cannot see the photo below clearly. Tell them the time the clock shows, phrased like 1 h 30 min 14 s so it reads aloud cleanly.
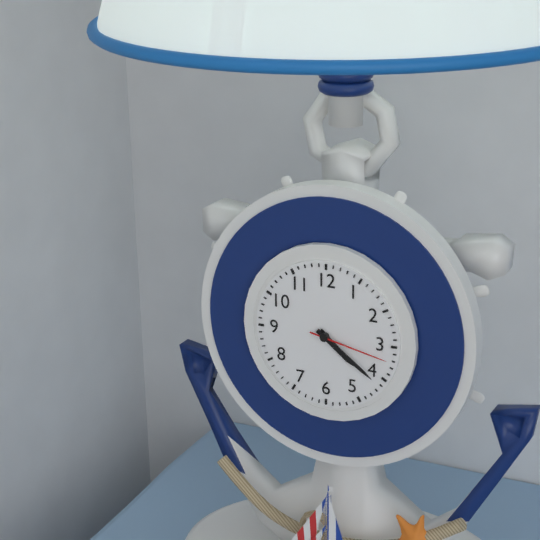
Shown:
4 h 21 min 17 s
